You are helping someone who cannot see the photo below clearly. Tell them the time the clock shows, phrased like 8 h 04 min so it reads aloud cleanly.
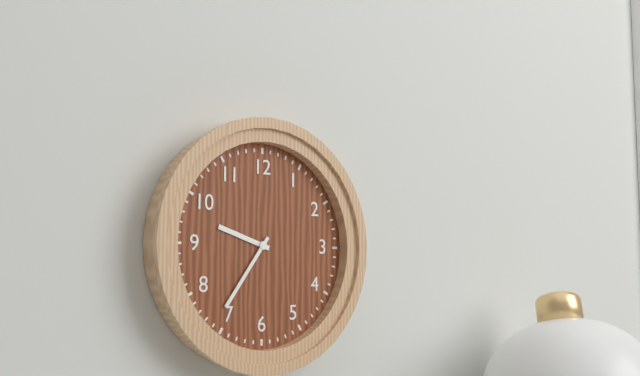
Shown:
9 h 36 min
